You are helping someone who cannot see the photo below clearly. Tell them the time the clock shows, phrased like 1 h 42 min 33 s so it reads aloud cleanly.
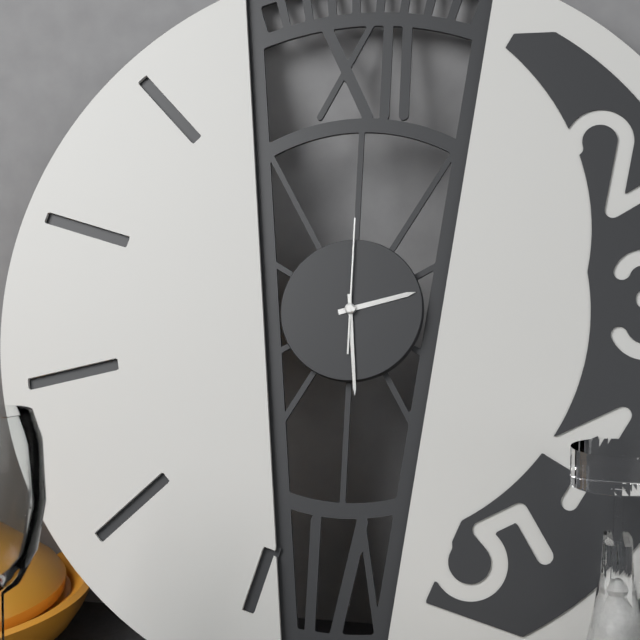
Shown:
2 h 29 min 00 s
